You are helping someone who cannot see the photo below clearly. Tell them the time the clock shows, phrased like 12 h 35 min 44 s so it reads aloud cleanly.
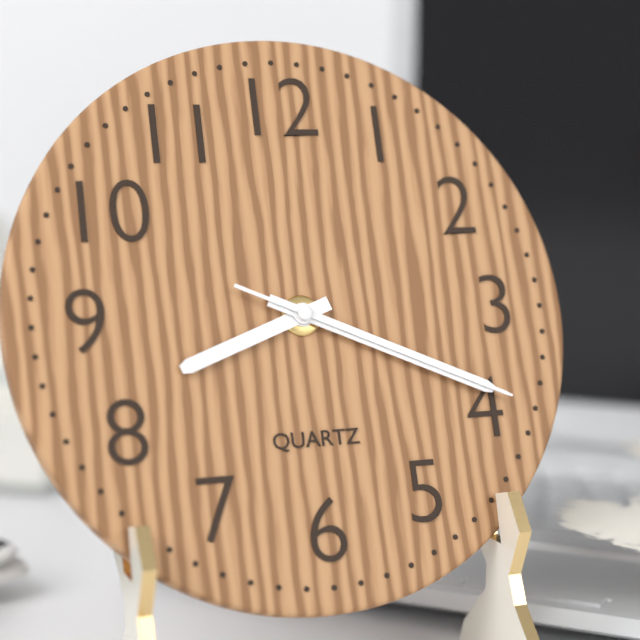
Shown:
8 h 19 min 19 s
